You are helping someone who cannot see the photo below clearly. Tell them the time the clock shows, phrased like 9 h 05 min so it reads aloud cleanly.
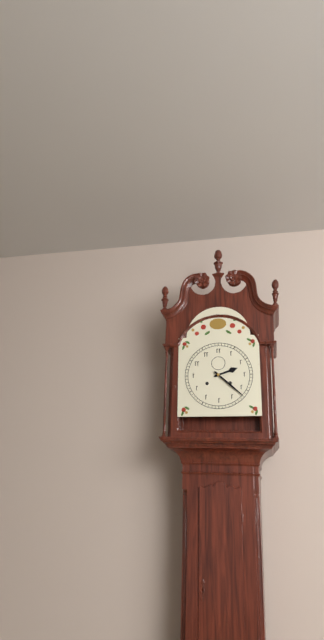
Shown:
2 h 22 min
